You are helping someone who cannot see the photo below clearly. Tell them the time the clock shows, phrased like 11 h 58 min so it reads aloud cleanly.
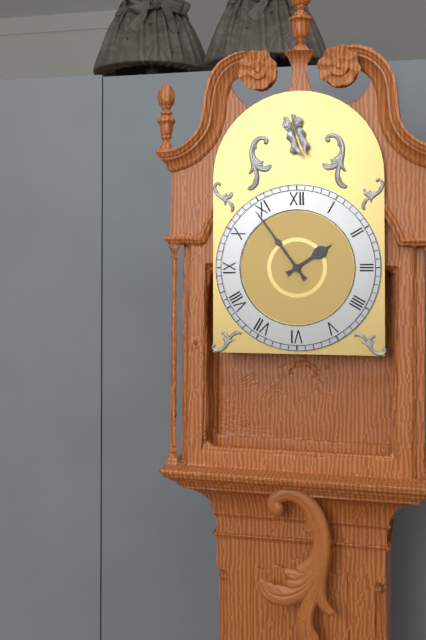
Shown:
1 h 54 min
